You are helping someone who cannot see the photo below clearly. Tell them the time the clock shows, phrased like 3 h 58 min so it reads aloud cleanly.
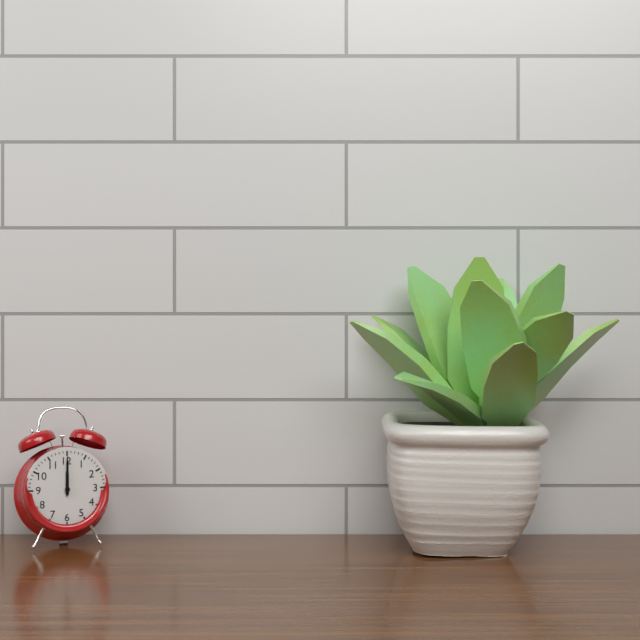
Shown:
12 h 00 min
